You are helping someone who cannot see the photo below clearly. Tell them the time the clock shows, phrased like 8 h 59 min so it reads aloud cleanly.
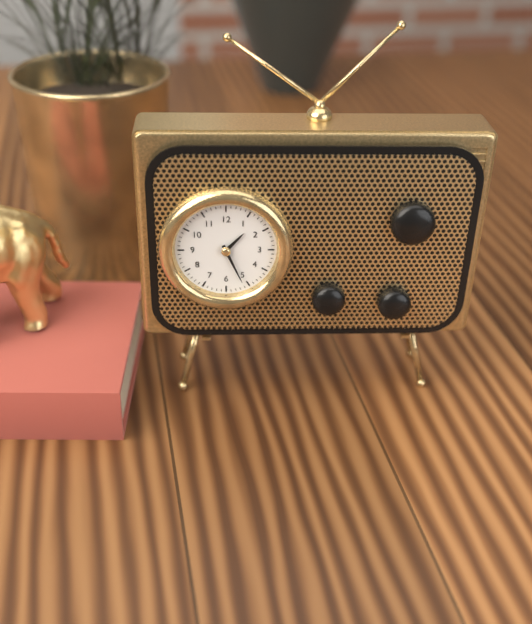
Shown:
1 h 26 min
